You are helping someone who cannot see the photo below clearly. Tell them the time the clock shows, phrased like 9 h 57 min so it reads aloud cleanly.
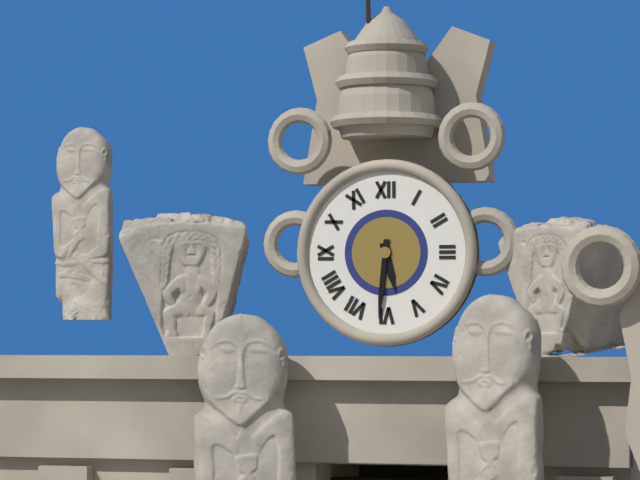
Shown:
5 h 31 min
